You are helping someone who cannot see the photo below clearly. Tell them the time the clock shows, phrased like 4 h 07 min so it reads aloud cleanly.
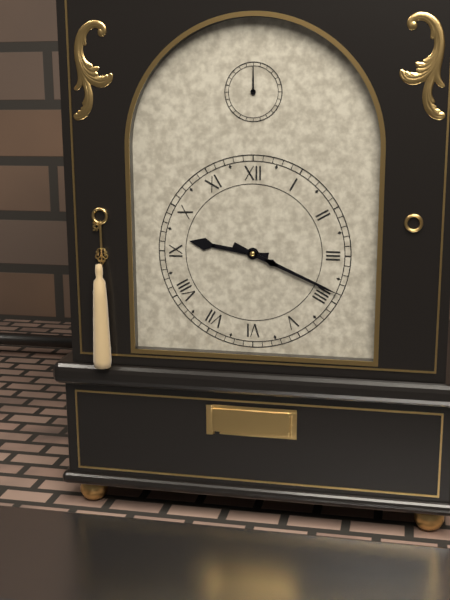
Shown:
9 h 19 min
